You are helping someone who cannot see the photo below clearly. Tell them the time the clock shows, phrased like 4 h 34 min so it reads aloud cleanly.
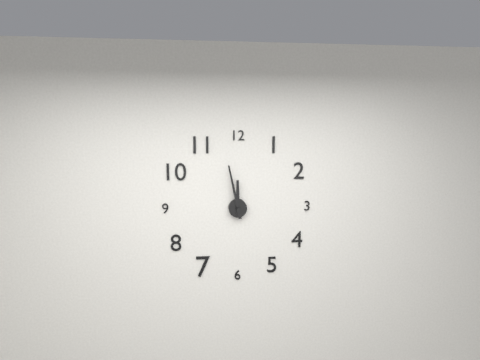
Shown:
11 h 58 min
